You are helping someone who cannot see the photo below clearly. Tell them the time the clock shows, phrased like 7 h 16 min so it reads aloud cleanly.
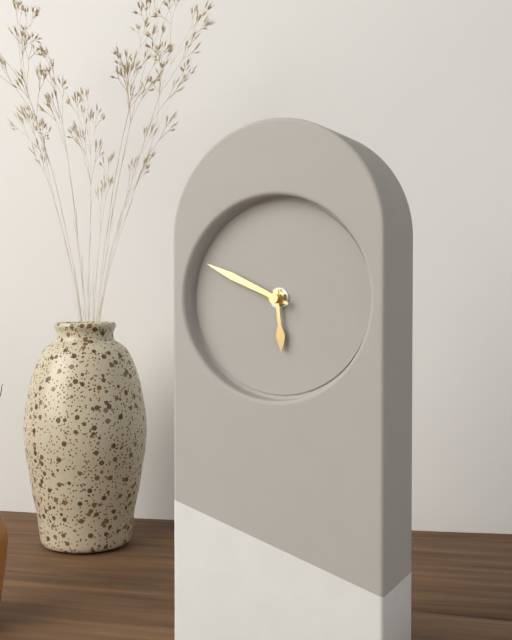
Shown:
5 h 49 min
